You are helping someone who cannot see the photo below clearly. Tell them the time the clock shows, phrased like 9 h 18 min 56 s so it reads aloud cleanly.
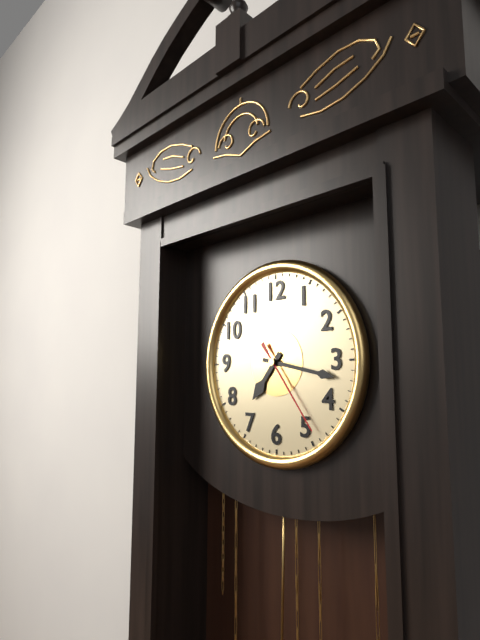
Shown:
7 h 17 min 24 s
